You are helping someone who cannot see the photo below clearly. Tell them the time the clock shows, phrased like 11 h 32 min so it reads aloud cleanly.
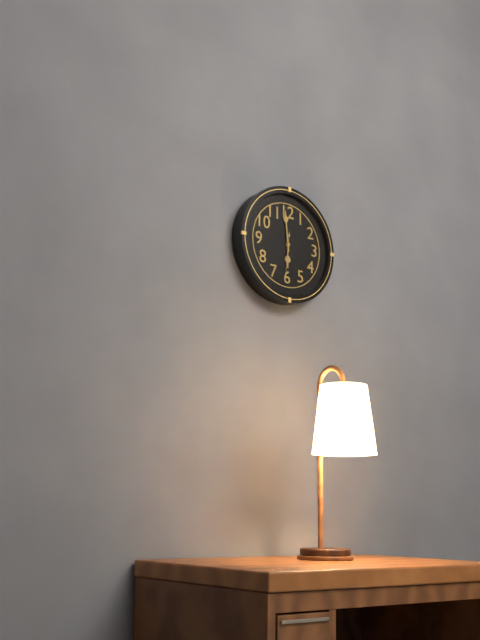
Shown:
5 h 59 min
